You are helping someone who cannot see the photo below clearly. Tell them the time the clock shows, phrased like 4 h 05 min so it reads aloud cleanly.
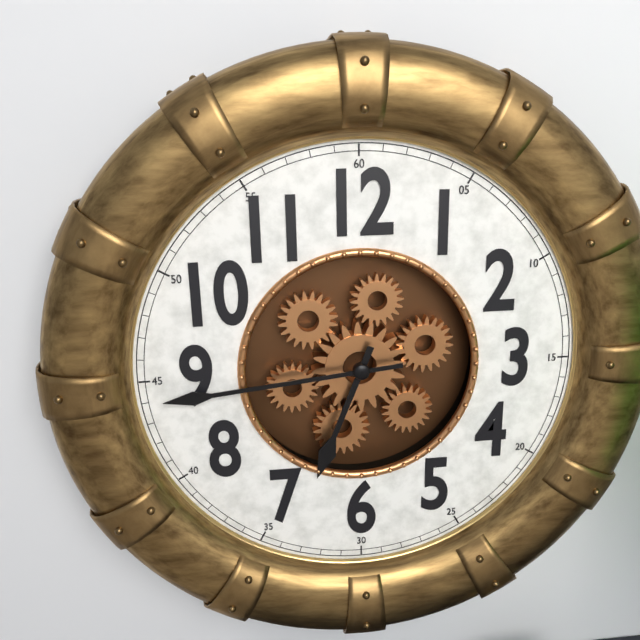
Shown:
6 h 44 min
